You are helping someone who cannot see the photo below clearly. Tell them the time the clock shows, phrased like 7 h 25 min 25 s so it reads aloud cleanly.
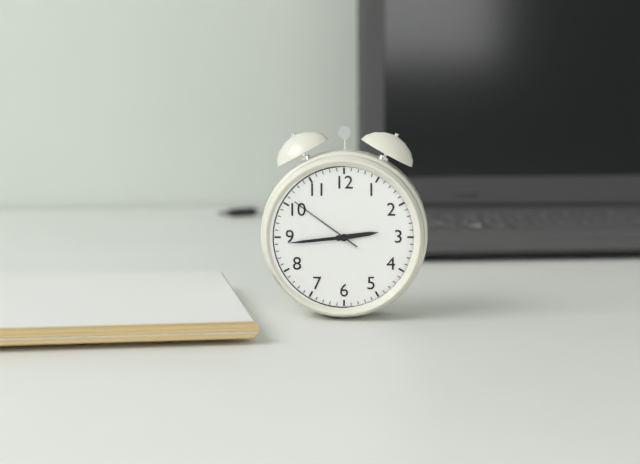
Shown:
2 h 44 min 51 s
